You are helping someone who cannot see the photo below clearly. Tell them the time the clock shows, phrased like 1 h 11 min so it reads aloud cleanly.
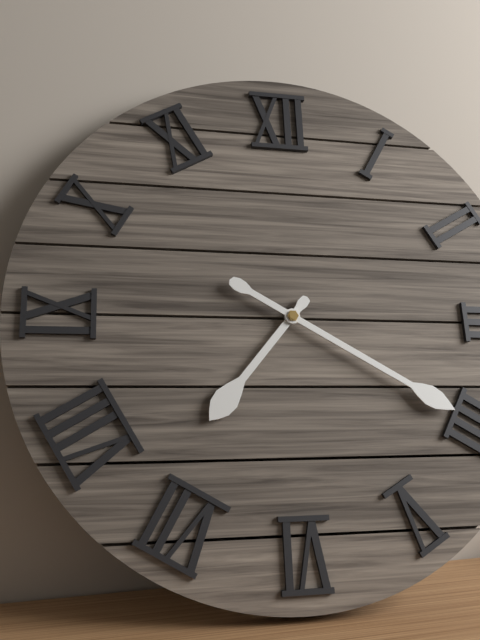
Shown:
7 h 20 min
